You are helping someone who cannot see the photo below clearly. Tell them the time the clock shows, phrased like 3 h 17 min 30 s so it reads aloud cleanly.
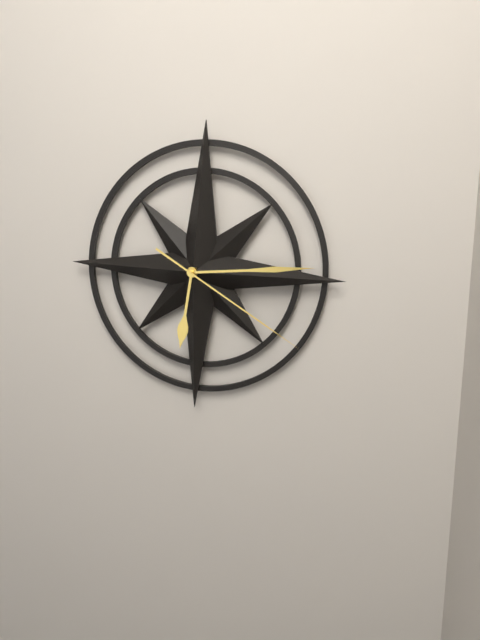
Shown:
6 h 14 min 20 s
